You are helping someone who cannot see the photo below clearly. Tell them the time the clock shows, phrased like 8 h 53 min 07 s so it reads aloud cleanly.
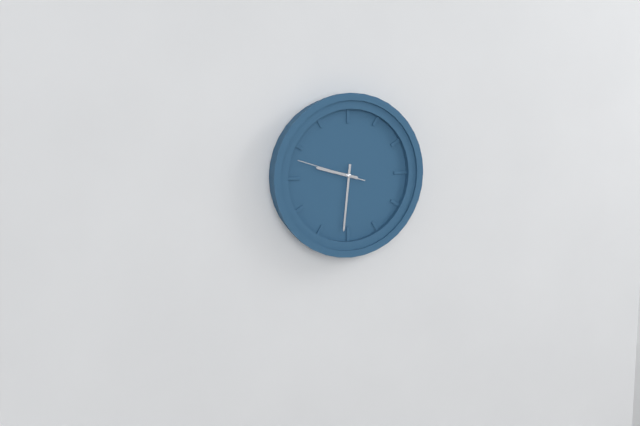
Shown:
9 h 31 min 48 s
